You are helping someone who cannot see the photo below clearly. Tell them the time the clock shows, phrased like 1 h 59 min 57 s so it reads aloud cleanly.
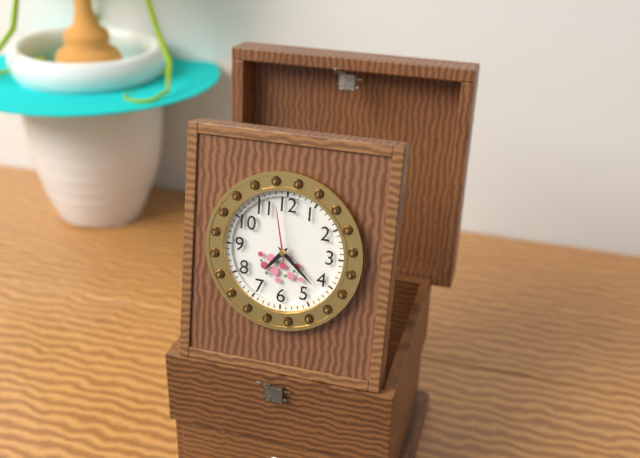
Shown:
7 h 22 min 58 s
